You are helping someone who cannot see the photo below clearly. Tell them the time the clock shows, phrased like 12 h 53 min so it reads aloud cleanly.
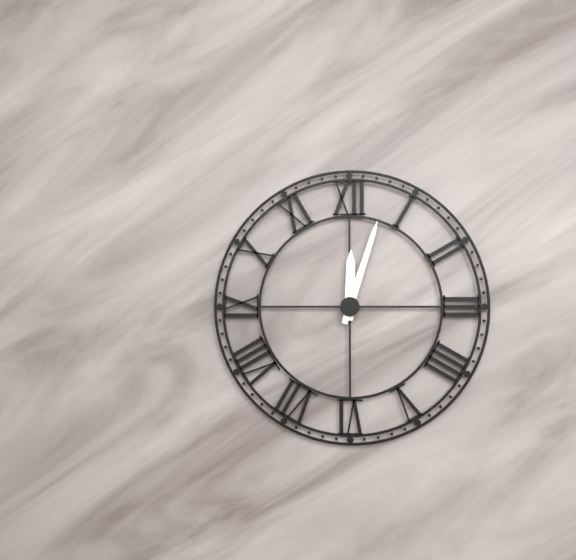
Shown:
12 h 03 min
